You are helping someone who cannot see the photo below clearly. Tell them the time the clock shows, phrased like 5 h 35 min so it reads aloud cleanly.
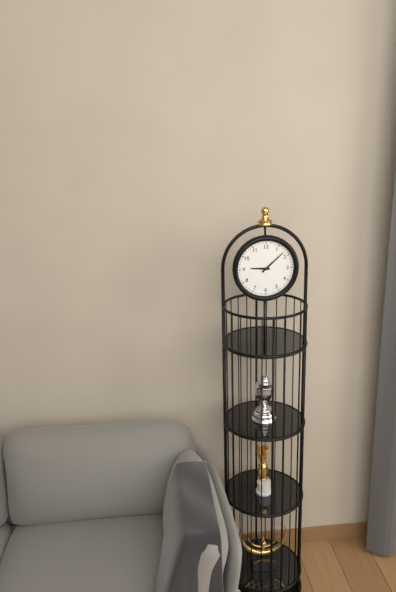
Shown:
9 h 08 min
